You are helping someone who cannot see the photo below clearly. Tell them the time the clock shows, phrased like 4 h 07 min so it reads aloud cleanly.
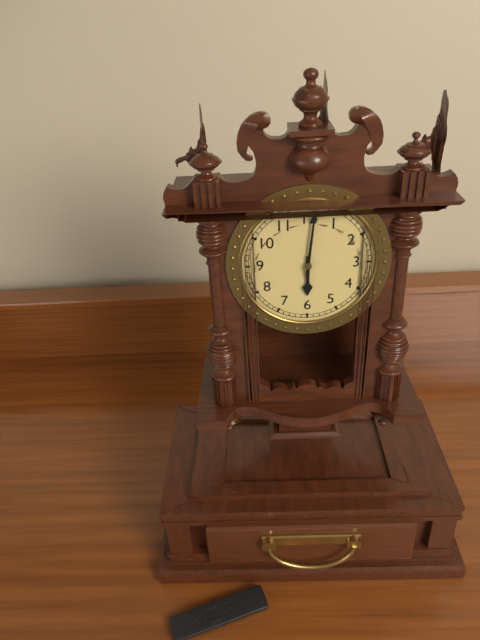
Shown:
6 h 01 min
